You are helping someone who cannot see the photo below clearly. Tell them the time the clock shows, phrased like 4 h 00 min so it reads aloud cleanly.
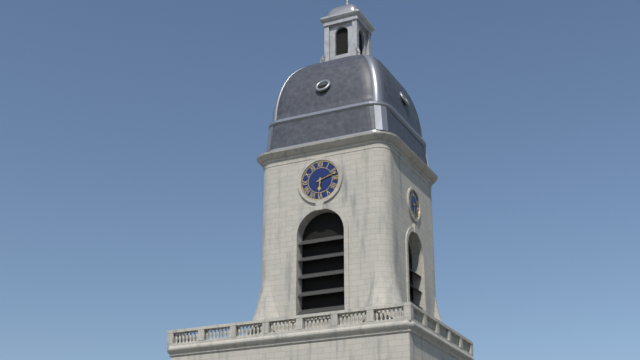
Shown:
6 h 12 min
